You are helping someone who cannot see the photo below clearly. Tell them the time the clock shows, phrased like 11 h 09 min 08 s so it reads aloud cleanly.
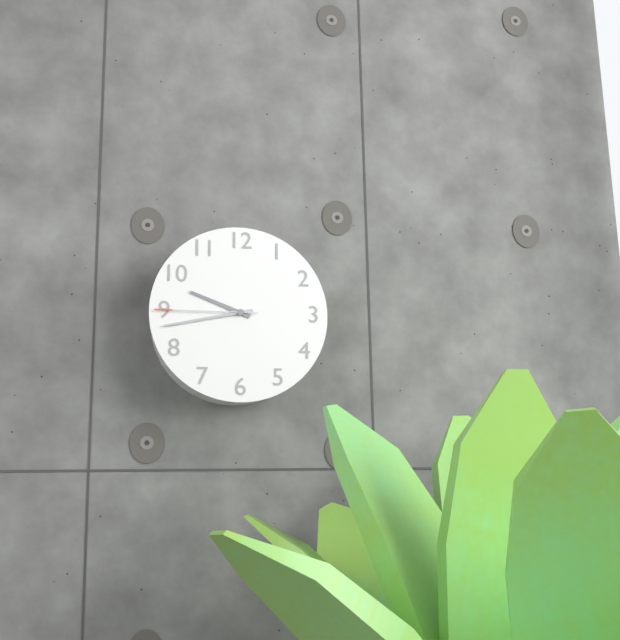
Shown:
9 h 43 min 45 s
